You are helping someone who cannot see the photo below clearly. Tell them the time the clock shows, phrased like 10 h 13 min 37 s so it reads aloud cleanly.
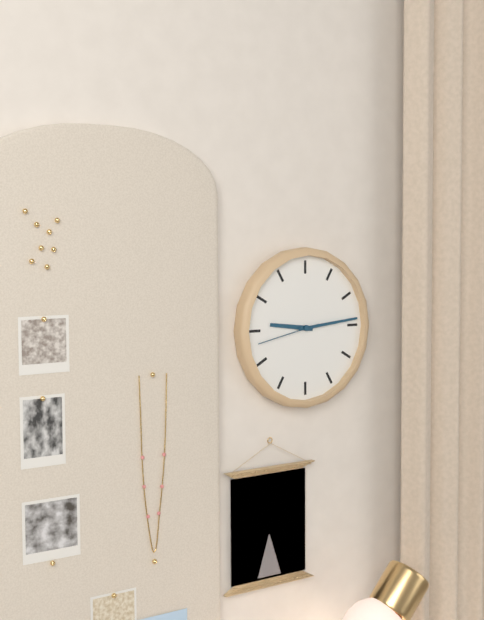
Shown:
9 h 14 min 43 s
